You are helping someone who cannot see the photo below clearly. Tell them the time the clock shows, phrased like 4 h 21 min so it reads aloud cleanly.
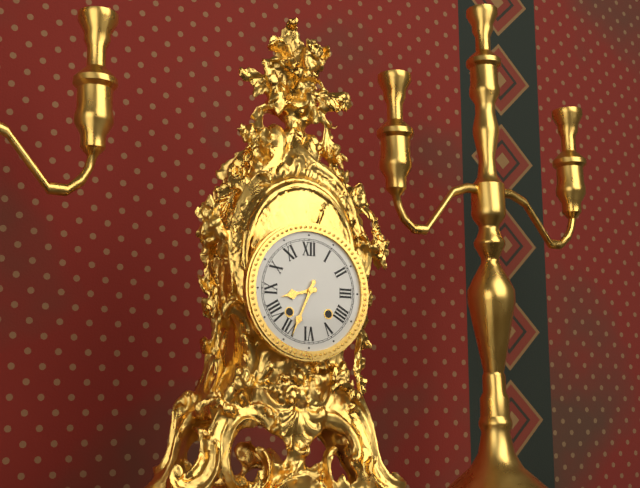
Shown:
8 h 34 min
